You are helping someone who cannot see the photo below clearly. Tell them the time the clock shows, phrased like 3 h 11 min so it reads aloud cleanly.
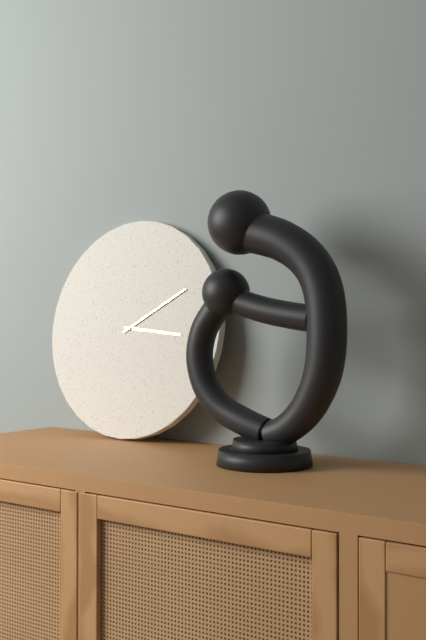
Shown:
3 h 10 min
